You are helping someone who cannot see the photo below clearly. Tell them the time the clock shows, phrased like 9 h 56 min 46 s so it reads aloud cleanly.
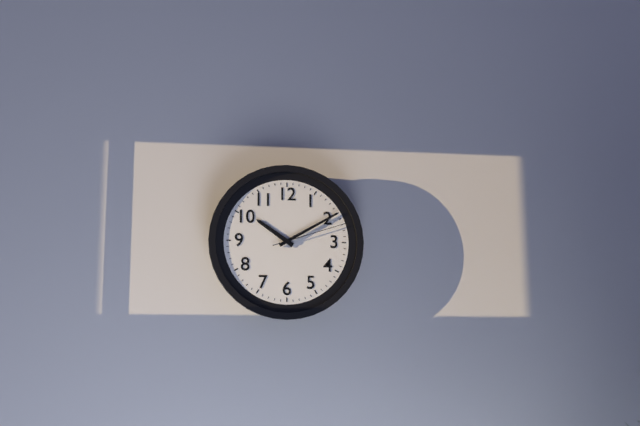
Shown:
10 h 10 min 12 s
